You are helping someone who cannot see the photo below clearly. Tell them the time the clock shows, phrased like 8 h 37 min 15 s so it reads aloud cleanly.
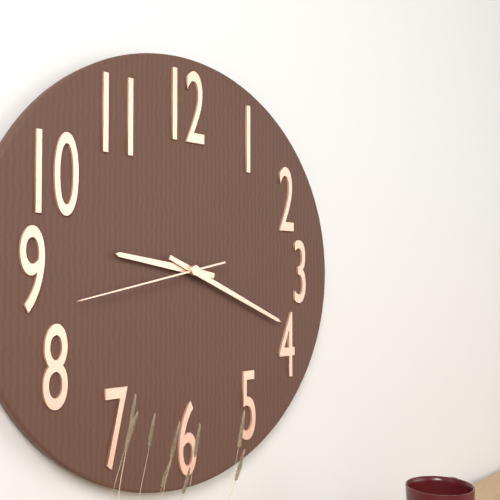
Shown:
9 h 19 min 43 s
